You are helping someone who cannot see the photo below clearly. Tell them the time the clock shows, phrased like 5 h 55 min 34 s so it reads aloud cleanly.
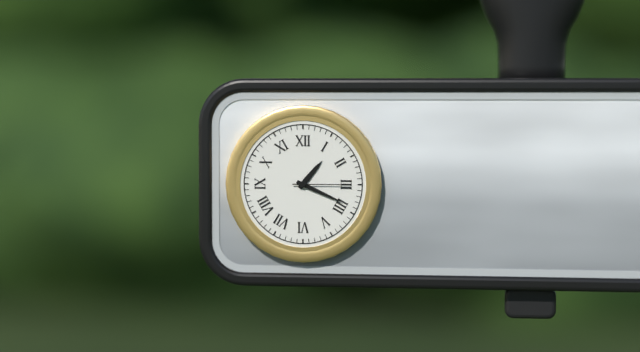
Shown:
1 h 19 min 15 s
